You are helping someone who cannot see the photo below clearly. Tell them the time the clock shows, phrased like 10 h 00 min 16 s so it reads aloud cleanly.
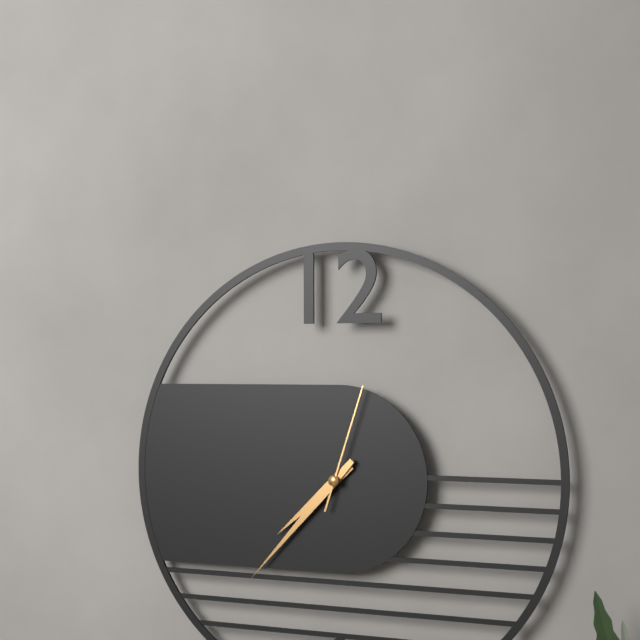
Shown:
7 h 37 min 03 s
